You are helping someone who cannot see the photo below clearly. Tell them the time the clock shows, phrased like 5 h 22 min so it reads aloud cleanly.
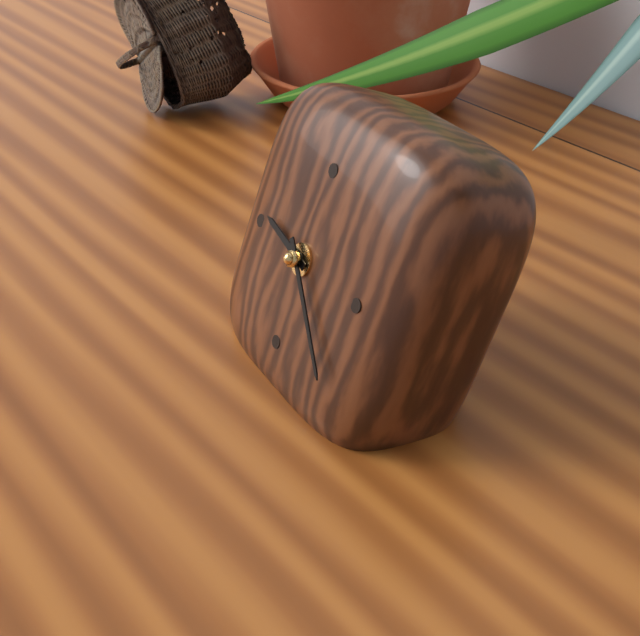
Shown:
9 h 22 min
